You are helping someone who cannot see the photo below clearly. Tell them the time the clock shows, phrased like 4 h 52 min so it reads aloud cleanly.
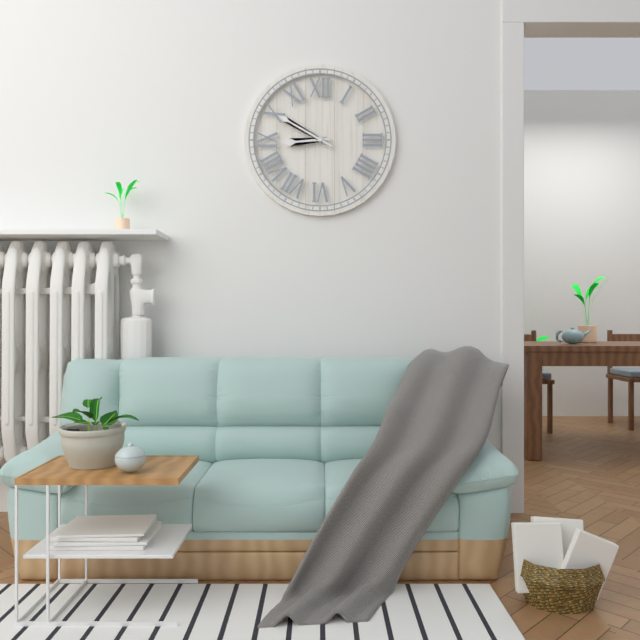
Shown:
8 h 50 min
